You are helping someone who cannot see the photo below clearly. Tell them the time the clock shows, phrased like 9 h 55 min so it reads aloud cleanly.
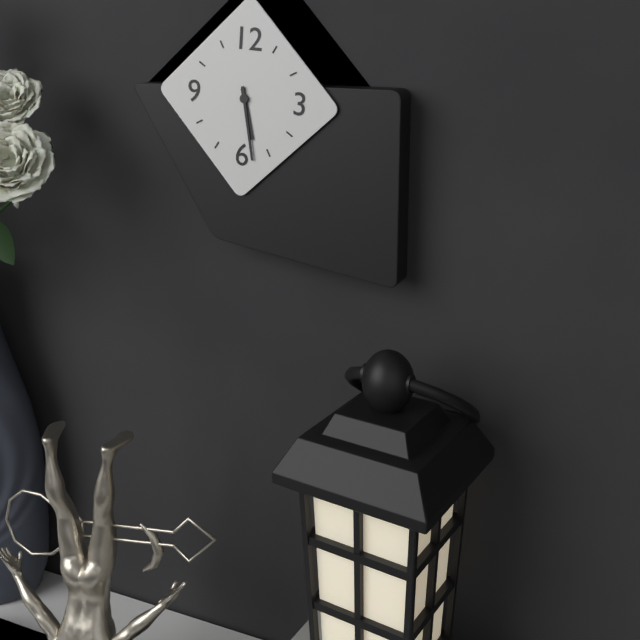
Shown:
5 h 28 min
